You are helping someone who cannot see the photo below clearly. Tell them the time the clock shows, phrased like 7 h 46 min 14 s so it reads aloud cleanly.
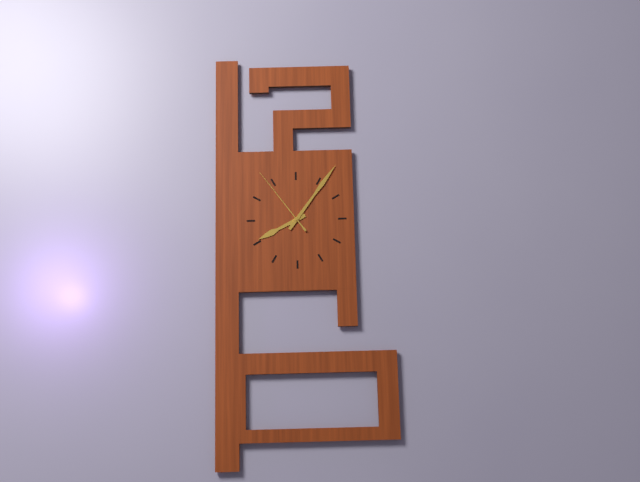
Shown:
8 h 06 min 54 s
